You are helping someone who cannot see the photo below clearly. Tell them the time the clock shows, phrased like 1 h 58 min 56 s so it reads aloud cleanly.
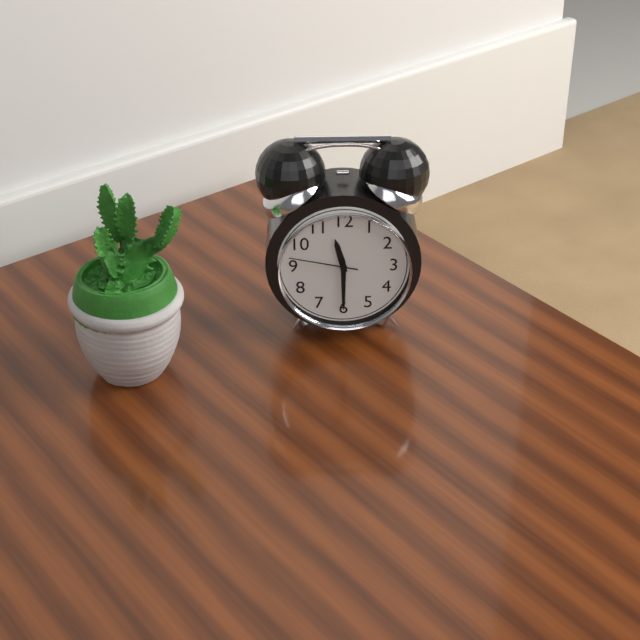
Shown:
11 h 30 min 47 s
